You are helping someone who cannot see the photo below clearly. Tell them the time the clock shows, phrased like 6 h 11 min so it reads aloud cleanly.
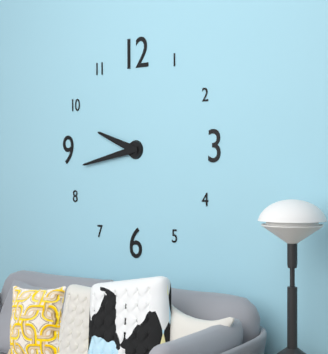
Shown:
9 h 43 min
